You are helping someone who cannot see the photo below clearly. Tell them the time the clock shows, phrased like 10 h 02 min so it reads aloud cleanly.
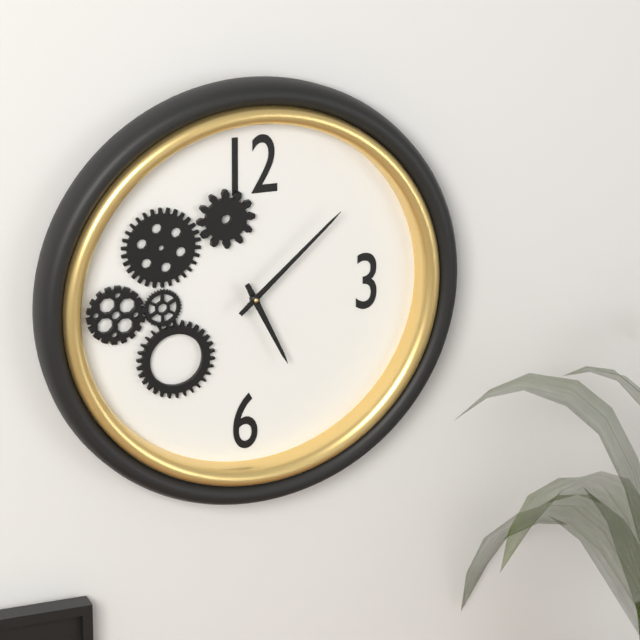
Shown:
5 h 08 min
